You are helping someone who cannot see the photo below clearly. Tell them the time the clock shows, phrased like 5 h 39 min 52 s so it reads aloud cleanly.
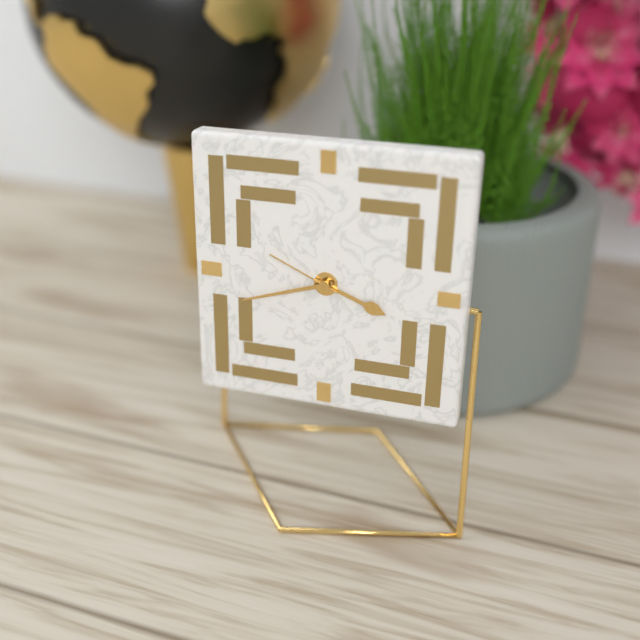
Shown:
3 h 42 min 49 s
